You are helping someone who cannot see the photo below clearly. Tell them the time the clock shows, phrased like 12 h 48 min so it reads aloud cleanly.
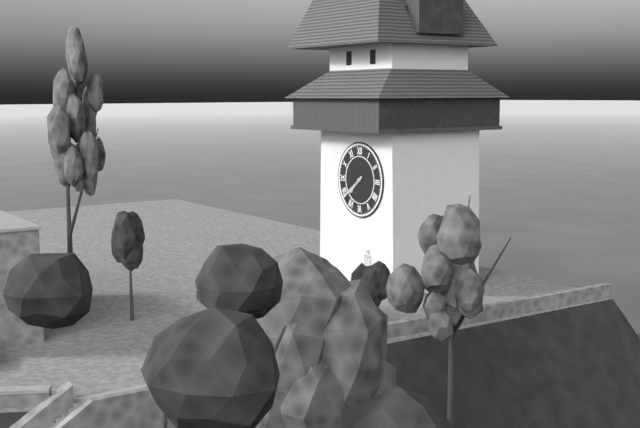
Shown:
7 h 39 min
